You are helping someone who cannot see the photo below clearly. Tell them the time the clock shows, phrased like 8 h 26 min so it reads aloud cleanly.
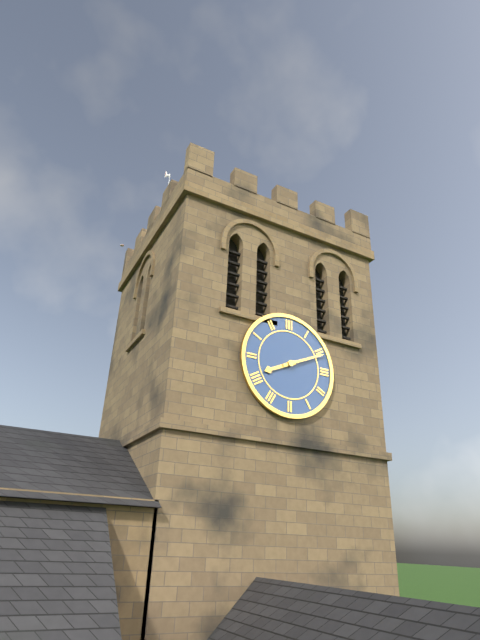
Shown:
8 h 11 min
